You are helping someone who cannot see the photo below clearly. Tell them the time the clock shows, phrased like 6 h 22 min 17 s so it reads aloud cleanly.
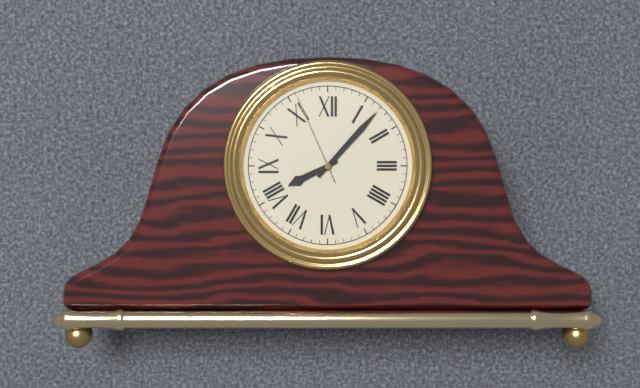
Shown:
8 h 07 min 56 s
